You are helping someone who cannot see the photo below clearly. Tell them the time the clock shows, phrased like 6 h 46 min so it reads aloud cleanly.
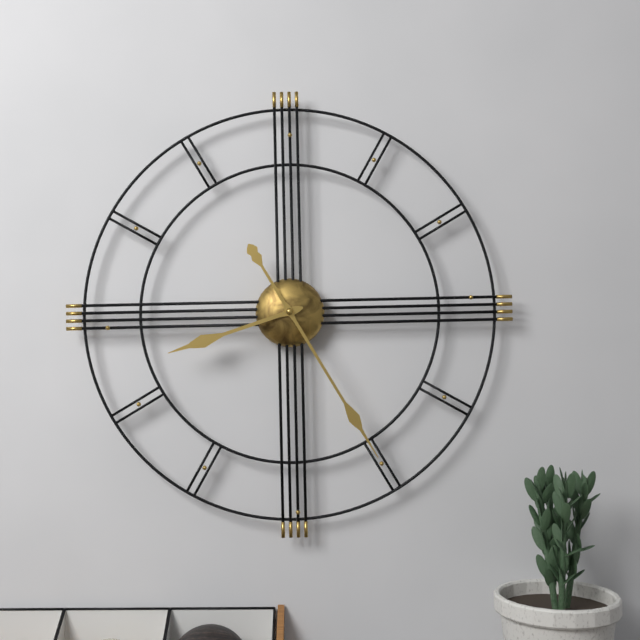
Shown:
8 h 25 min
